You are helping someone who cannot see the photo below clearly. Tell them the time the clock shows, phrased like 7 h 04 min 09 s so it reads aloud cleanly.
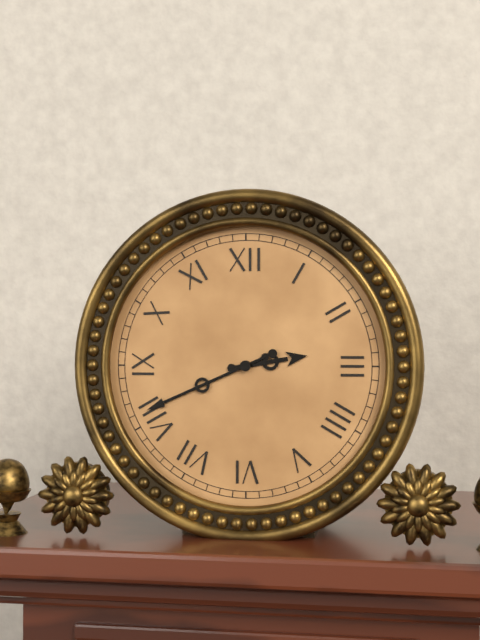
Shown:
2 h 41 min 41 s
